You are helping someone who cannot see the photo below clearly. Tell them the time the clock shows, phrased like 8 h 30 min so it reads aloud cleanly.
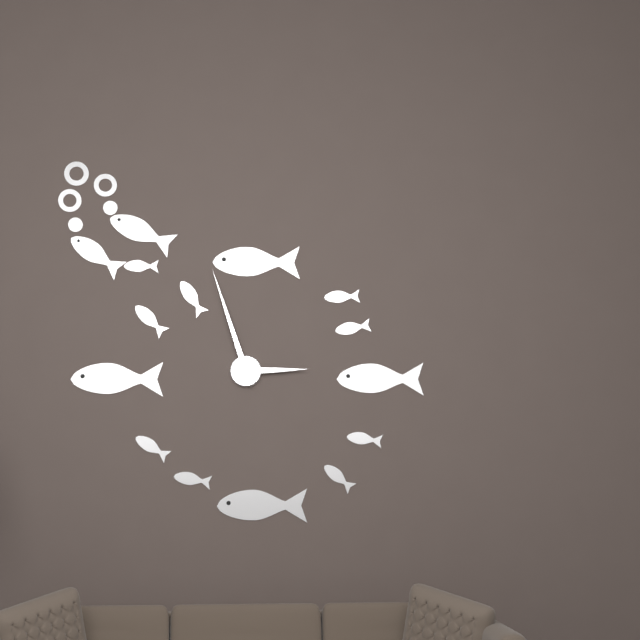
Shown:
2 h 57 min
